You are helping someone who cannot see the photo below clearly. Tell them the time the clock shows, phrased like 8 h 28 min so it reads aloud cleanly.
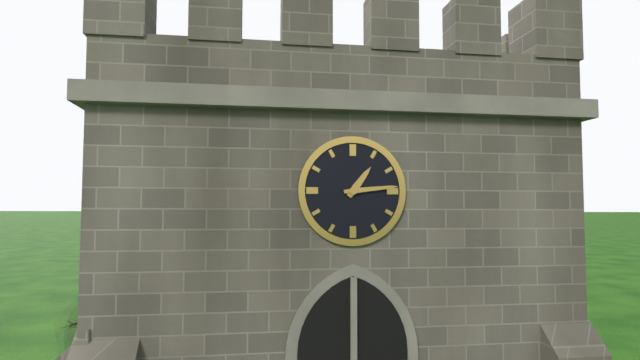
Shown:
1 h 14 min
